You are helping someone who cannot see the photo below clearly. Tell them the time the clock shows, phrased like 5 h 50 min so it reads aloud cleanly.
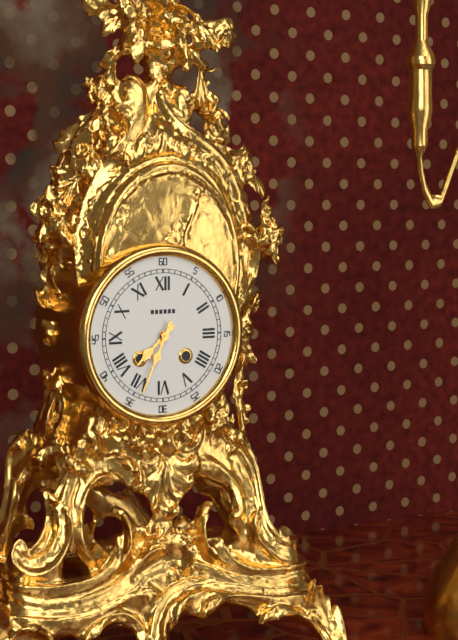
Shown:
7 h 34 min
